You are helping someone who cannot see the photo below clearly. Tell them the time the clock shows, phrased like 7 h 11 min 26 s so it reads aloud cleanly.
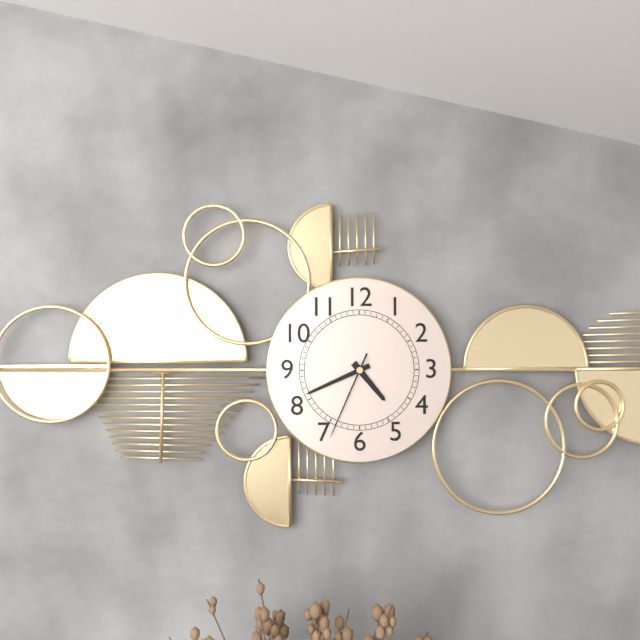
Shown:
4 h 41 min 34 s
